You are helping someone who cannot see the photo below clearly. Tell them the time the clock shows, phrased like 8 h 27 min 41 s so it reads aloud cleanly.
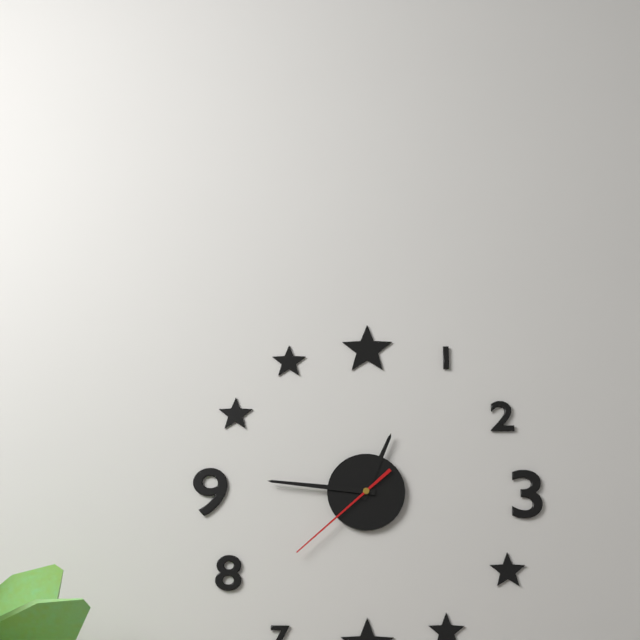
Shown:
12 h 46 min 38 s
